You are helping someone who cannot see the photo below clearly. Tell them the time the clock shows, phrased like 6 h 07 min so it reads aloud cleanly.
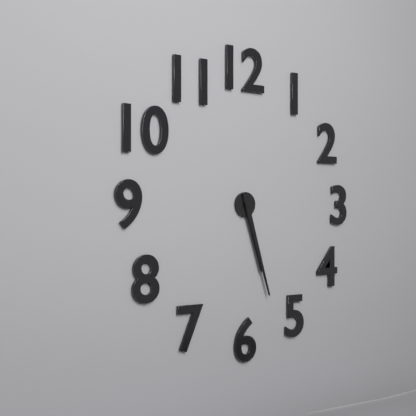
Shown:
5 h 27 min
